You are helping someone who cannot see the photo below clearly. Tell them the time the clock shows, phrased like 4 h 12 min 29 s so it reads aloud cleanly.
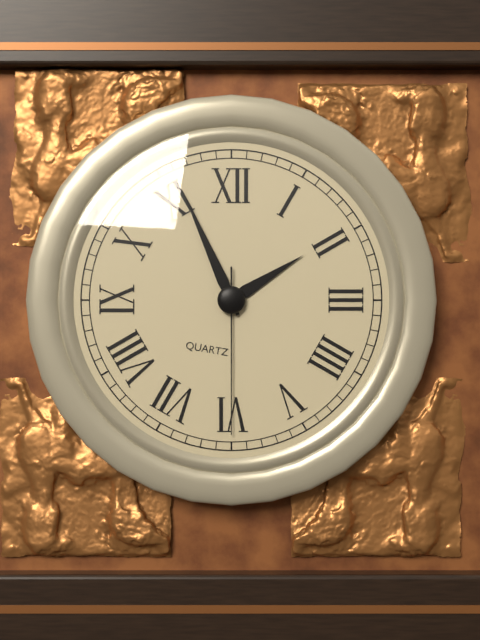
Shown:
1 h 56 min 30 s
